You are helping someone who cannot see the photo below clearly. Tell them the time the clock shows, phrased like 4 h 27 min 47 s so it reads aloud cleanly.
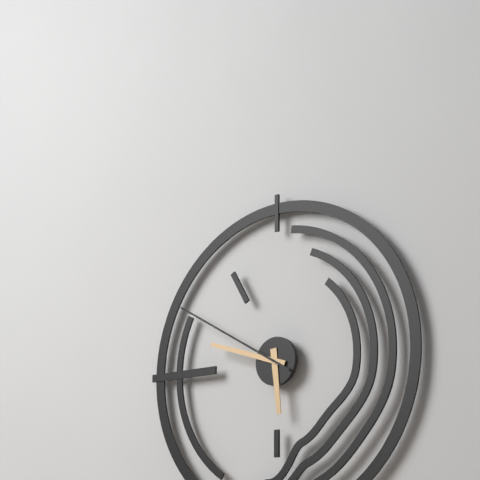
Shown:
5 h 48 min 50 s
